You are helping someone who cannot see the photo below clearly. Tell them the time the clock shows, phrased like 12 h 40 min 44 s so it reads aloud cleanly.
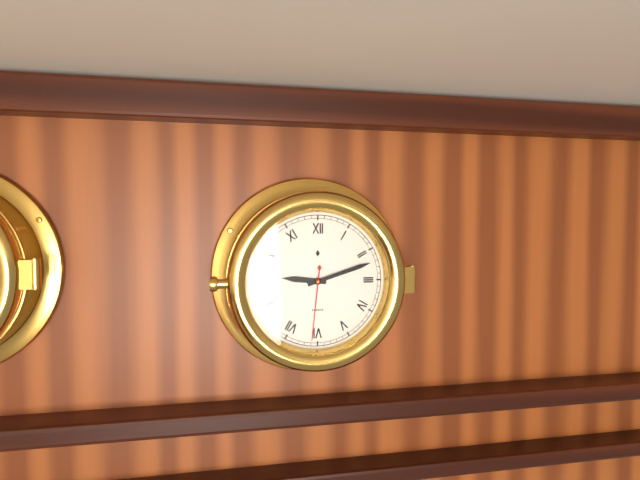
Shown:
9 h 12 min 31 s
